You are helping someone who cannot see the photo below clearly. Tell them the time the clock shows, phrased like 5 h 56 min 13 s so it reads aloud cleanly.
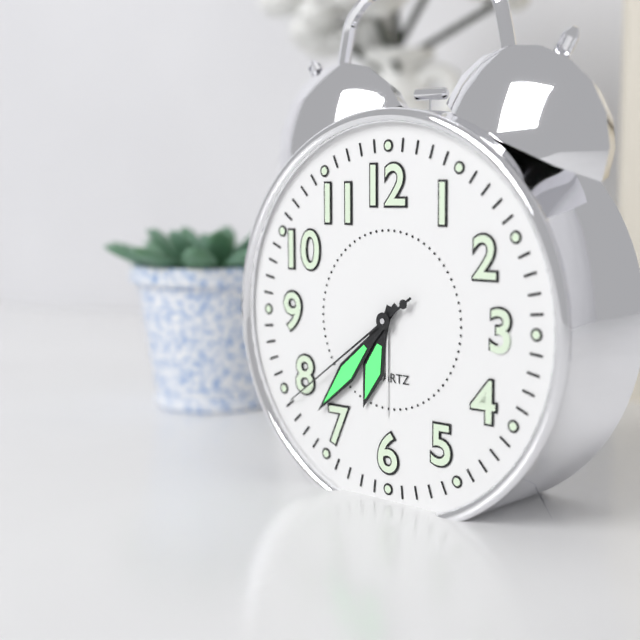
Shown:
6 h 37 min 39 s
